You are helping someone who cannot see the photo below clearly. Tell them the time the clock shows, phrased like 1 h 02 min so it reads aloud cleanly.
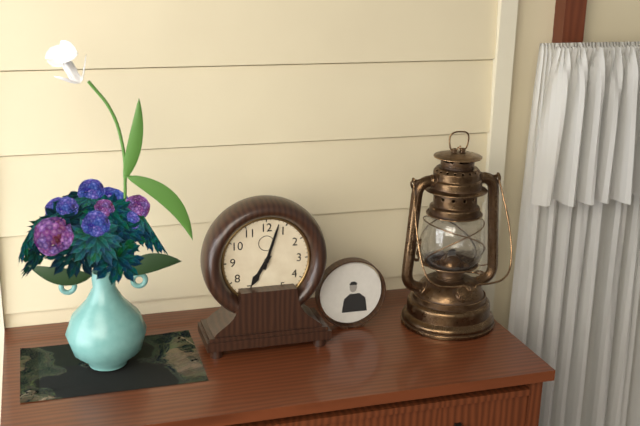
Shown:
7 h 03 min
